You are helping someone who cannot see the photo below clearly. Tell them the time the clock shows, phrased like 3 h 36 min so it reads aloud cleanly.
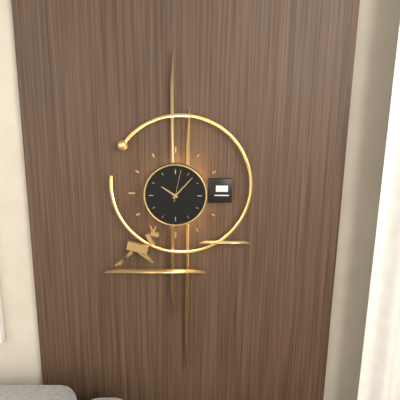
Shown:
10 h 07 min
